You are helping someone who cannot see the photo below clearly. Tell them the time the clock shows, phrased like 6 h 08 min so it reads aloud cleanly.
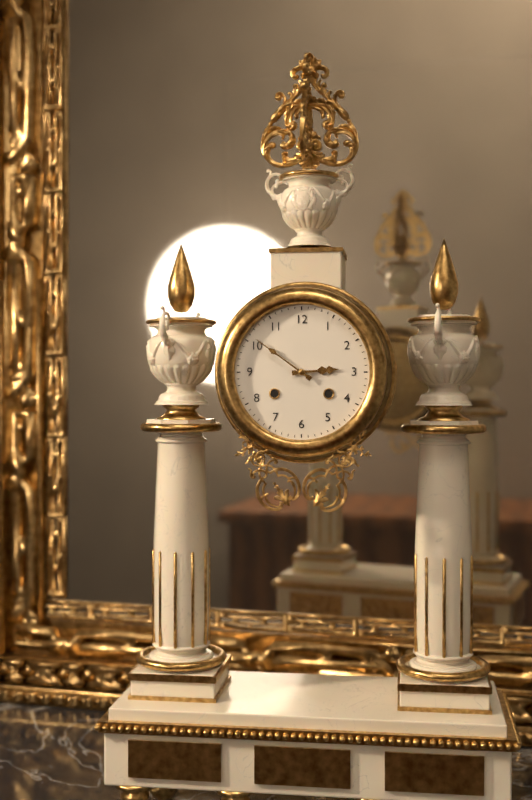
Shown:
2 h 51 min
